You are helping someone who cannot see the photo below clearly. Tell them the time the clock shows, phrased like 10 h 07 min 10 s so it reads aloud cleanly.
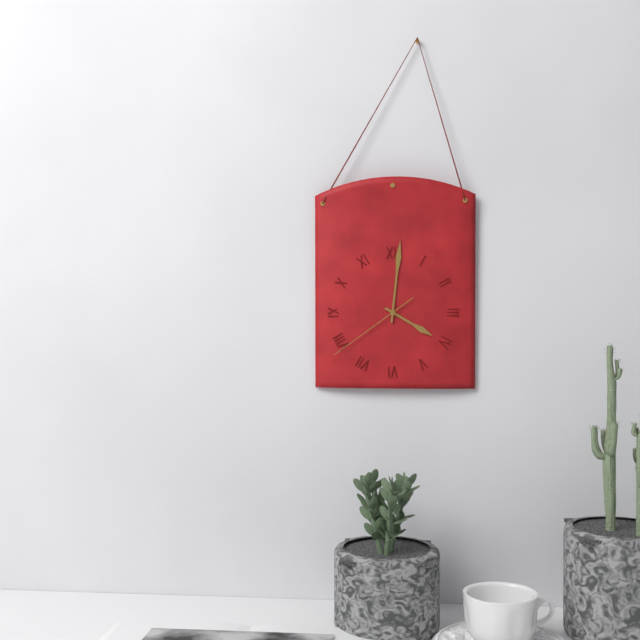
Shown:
4 h 01 min 39 s
